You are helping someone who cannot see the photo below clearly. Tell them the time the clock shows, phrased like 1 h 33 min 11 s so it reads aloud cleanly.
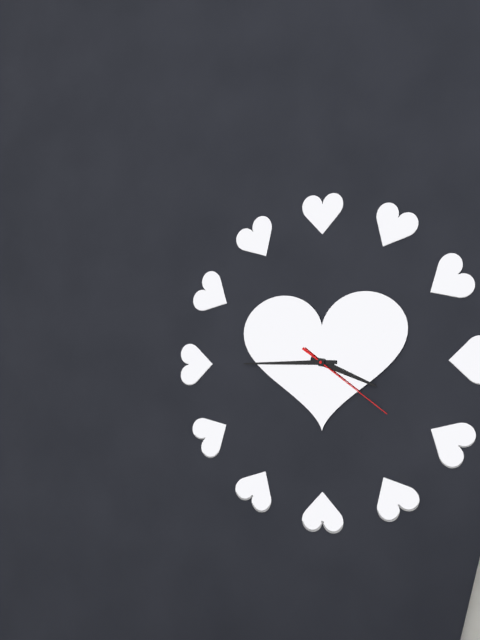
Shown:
3 h 45 min 21 s
